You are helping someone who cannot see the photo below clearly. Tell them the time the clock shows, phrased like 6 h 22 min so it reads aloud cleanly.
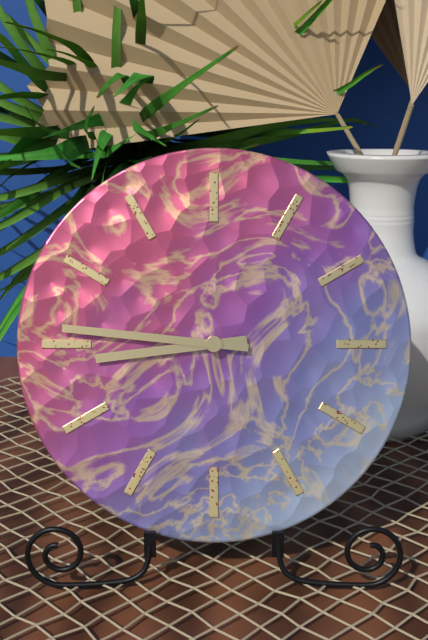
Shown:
8 h 46 min
